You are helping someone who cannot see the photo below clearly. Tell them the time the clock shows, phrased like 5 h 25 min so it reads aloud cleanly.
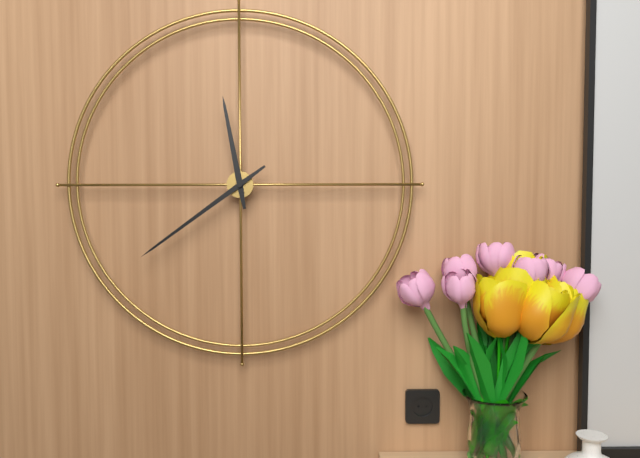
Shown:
11 h 39 min
